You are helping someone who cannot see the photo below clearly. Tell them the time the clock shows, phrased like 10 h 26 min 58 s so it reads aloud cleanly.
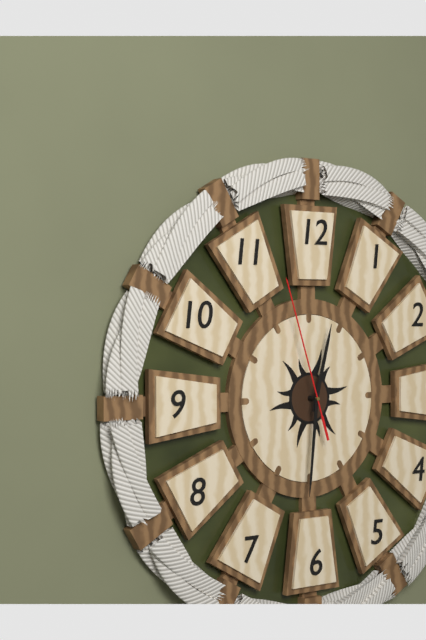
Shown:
12 h 31 min 57 s
